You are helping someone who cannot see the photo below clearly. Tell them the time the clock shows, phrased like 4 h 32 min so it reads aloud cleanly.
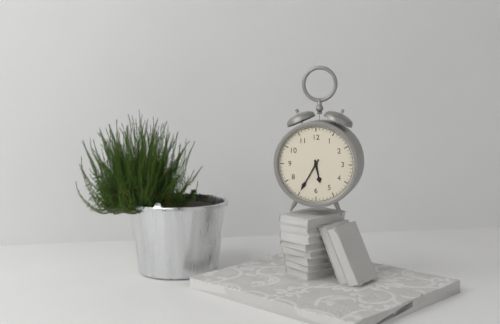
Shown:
5 h 35 min
